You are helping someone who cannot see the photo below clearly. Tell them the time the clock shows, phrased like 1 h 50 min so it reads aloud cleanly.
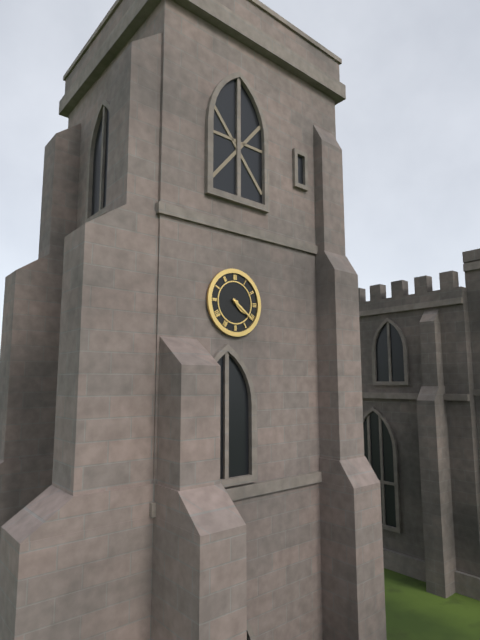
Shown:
4 h 21 min
